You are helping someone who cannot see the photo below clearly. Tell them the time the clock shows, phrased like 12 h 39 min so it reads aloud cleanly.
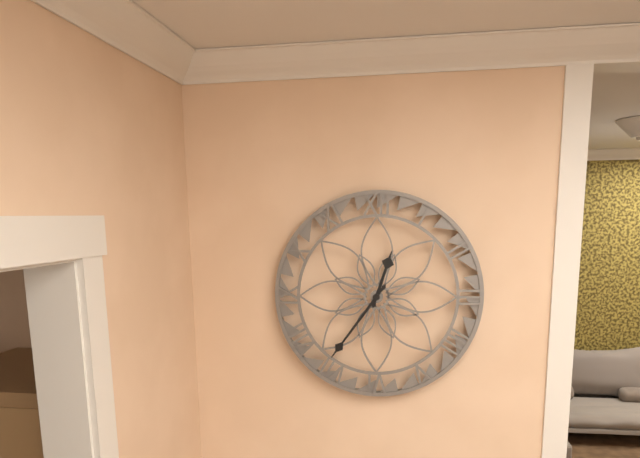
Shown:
12 h 36 min
